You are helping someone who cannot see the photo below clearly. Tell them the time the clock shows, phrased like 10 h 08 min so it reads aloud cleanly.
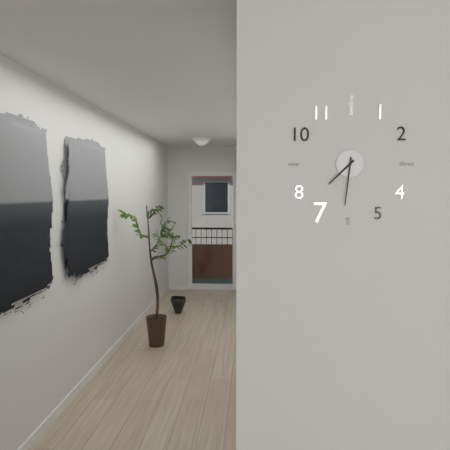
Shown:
7 h 31 min
